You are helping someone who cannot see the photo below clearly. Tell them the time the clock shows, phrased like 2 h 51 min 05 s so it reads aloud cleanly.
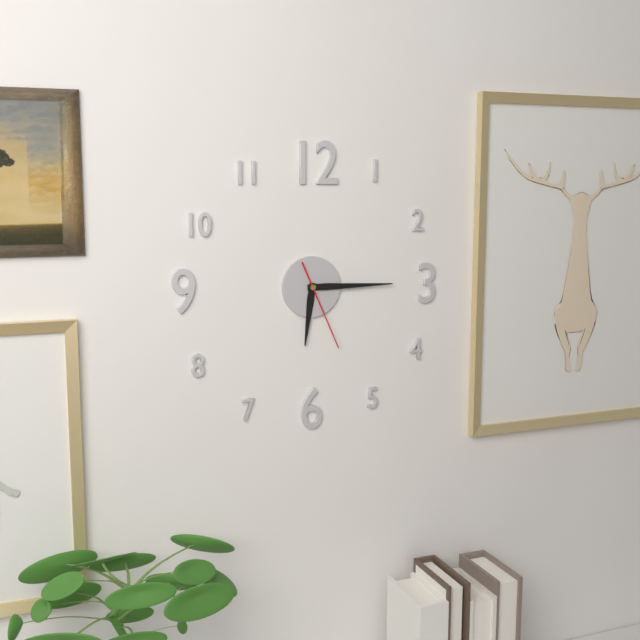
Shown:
6 h 15 min 26 s
